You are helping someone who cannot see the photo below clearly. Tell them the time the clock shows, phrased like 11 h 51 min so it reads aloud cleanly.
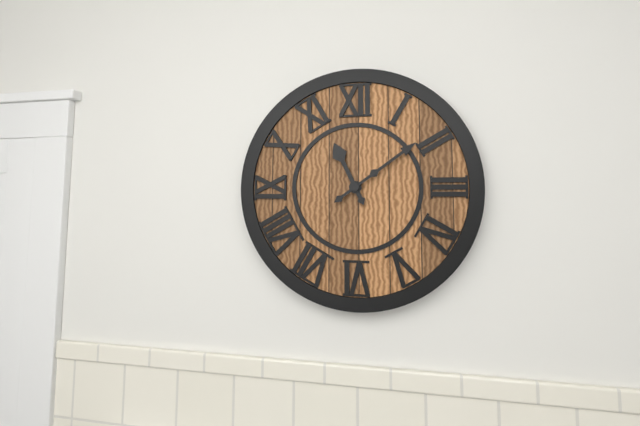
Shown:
11 h 09 min
